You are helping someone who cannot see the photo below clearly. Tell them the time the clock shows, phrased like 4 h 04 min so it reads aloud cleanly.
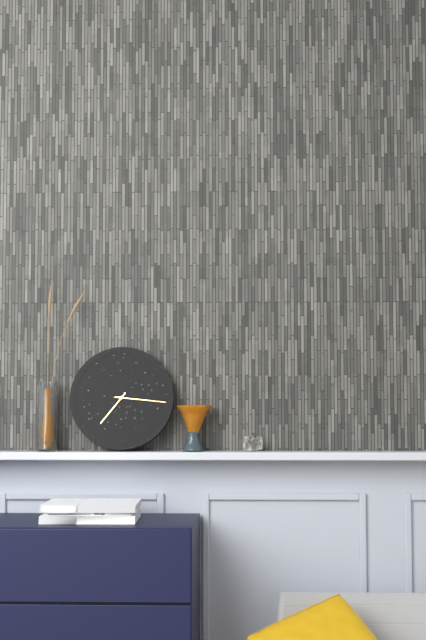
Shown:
7 h 16 min
